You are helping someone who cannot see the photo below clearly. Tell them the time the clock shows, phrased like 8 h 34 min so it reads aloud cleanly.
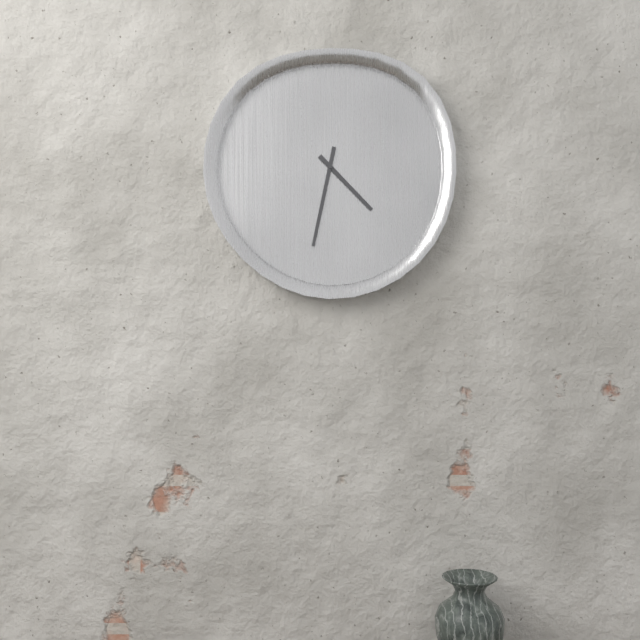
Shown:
4 h 32 min
